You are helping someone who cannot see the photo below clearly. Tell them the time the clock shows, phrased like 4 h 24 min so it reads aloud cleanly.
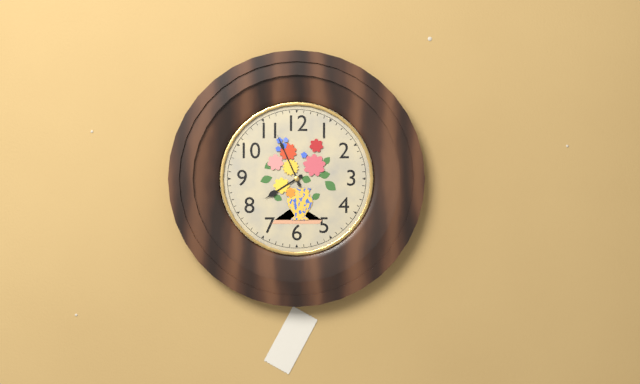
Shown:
7 h 56 min
